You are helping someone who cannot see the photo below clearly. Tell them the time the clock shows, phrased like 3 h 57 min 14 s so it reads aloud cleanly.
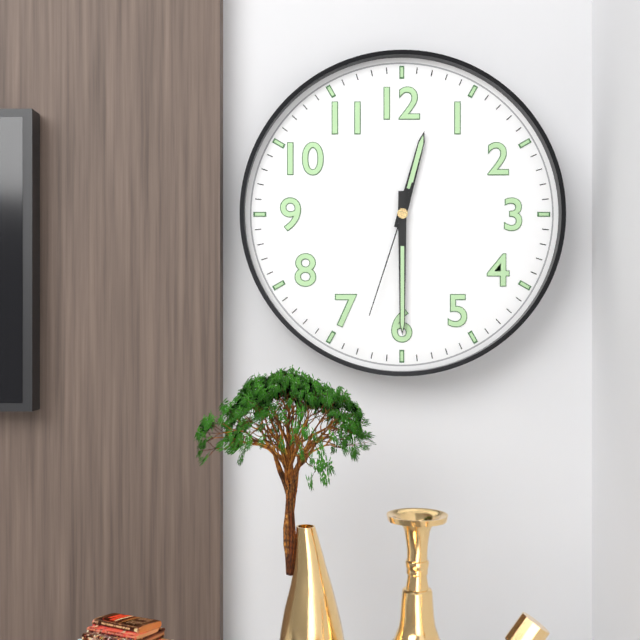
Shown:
12 h 30 min 33 s
